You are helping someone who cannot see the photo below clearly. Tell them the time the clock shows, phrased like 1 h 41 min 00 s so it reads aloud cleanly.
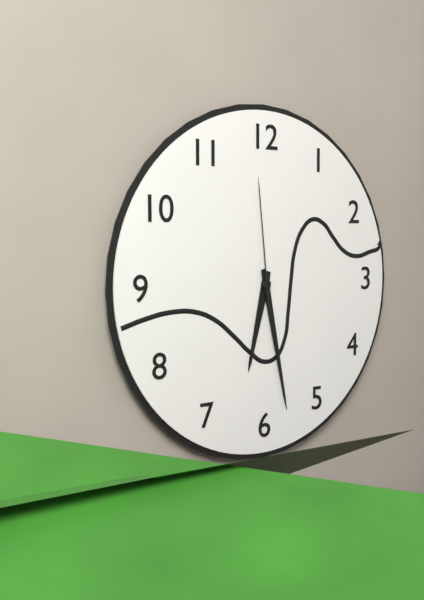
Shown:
6 h 28 min 59 s
